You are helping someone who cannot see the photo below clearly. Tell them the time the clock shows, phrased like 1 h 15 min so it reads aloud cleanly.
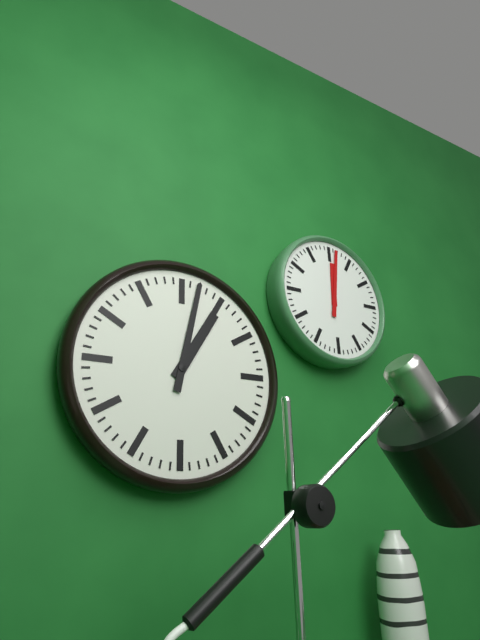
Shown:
1 h 02 min
